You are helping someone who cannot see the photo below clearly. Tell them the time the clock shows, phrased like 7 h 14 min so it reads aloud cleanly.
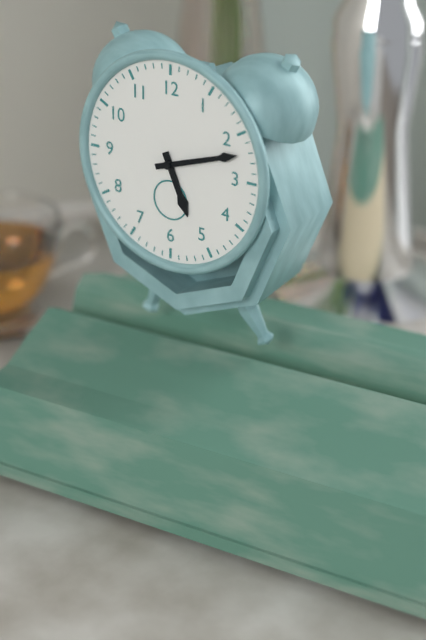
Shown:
5 h 12 min
